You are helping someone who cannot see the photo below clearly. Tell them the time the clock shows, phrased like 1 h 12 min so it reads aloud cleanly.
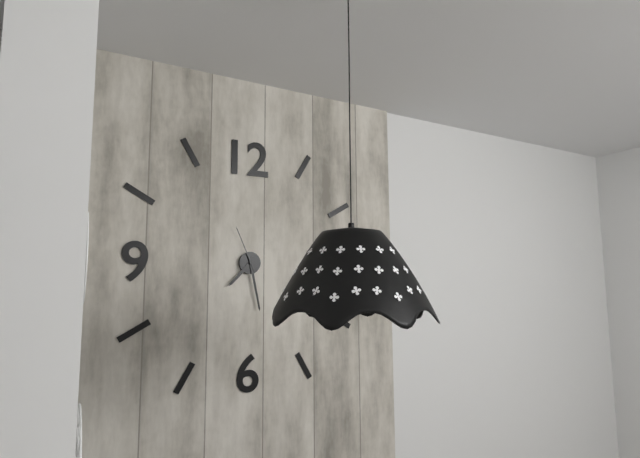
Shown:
7 h 28 min
